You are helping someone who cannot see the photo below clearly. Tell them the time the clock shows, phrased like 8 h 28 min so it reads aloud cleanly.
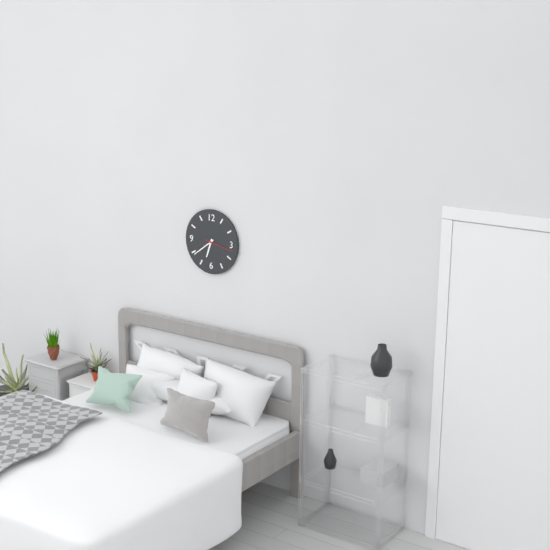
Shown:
6 h 39 min
